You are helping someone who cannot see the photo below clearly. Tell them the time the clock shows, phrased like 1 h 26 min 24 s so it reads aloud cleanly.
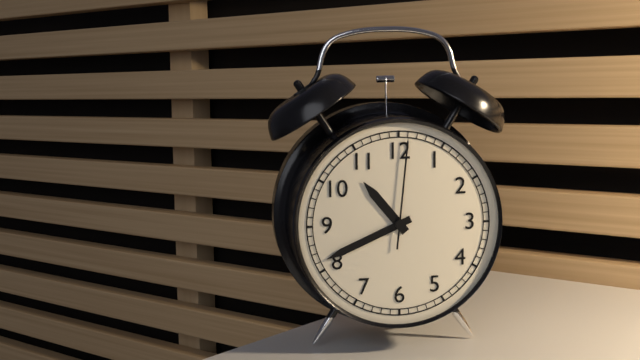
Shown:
10 h 41 min 01 s
